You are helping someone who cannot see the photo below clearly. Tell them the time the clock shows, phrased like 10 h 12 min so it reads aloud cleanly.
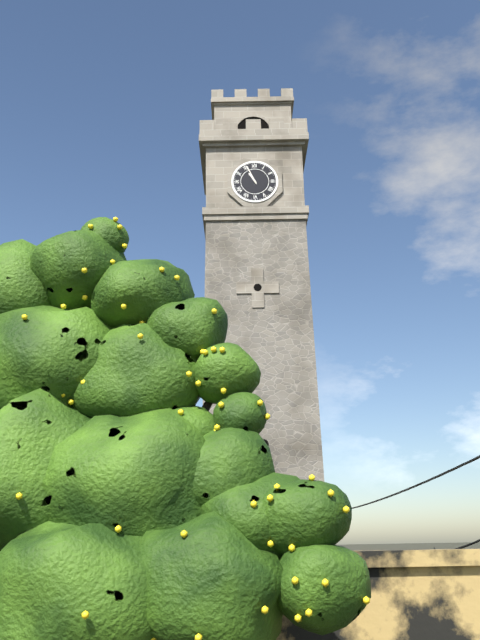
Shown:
10 h 56 min
